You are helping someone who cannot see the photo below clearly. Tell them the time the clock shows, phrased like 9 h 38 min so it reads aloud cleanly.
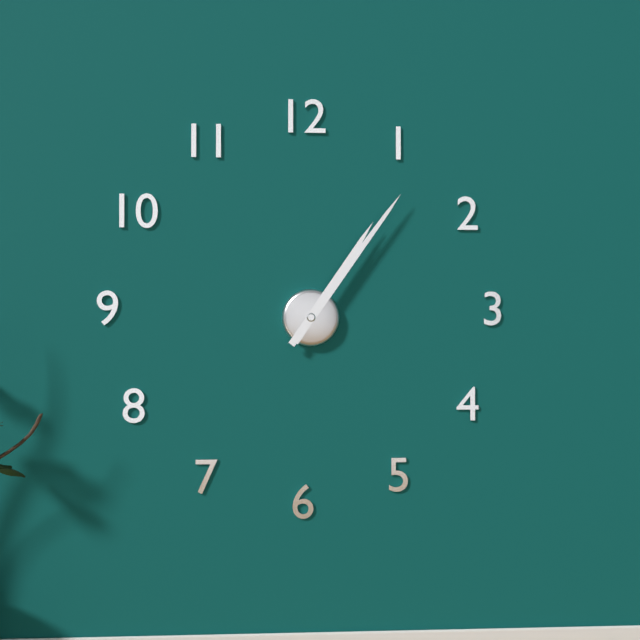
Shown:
1 h 06 min
